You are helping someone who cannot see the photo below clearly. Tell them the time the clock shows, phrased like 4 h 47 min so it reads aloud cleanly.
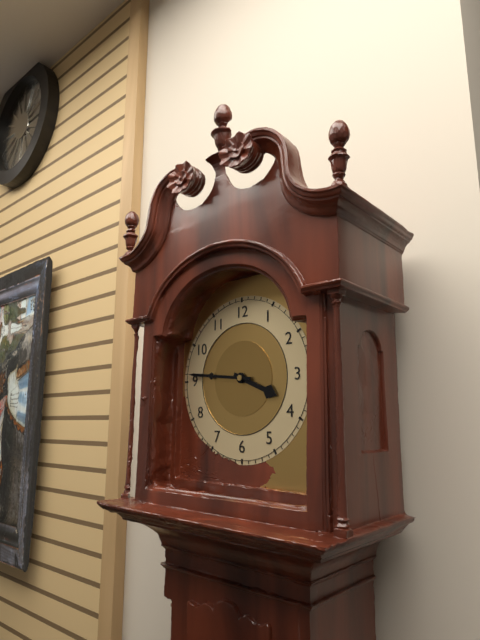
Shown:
3 h 46 min
